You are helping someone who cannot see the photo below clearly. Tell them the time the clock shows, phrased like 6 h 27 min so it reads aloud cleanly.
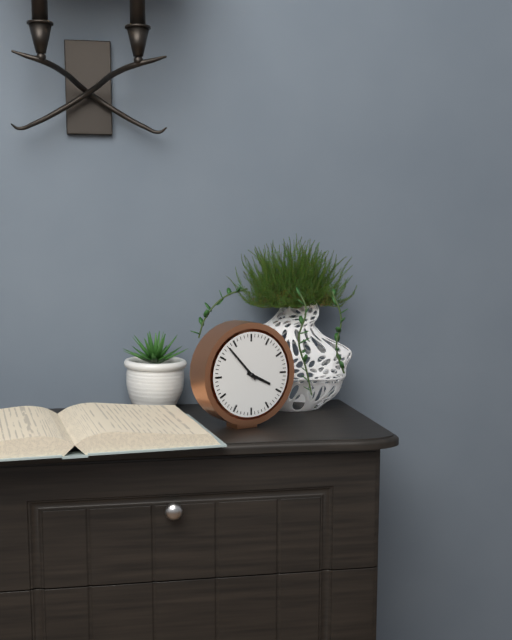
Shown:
3 h 53 min
